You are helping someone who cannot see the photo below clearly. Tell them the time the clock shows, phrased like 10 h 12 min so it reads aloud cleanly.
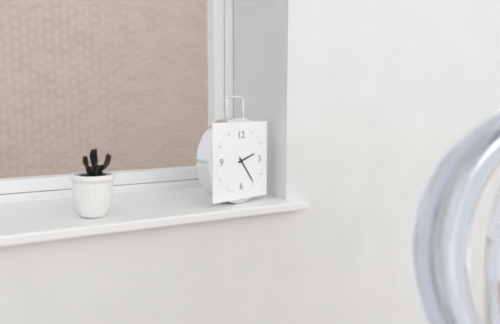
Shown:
2 h 24 min
